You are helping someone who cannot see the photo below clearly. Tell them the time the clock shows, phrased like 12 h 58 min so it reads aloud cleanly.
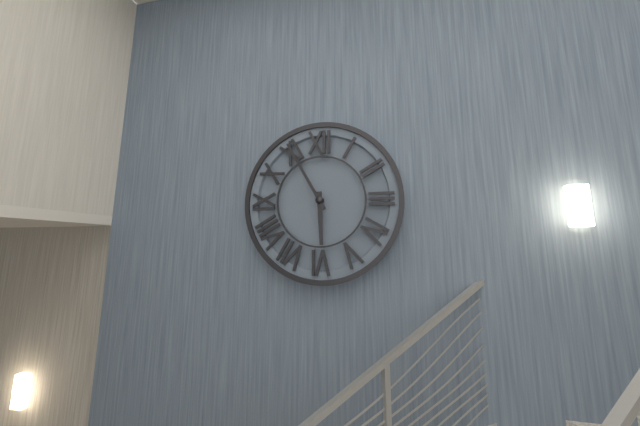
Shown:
5 h 55 min
